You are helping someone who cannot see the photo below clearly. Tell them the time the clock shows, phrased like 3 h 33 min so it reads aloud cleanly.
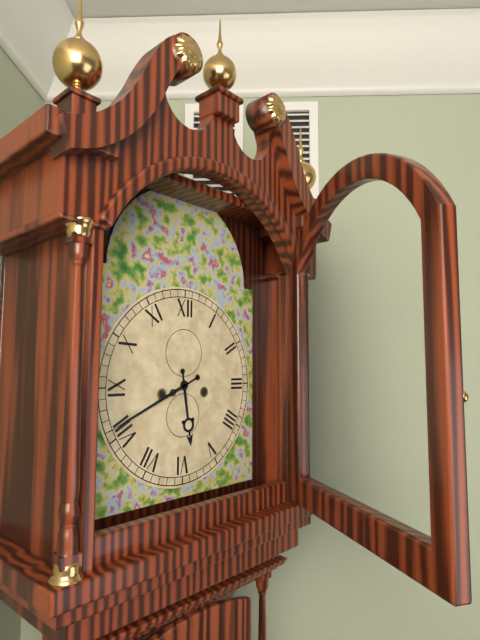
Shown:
5 h 41 min
